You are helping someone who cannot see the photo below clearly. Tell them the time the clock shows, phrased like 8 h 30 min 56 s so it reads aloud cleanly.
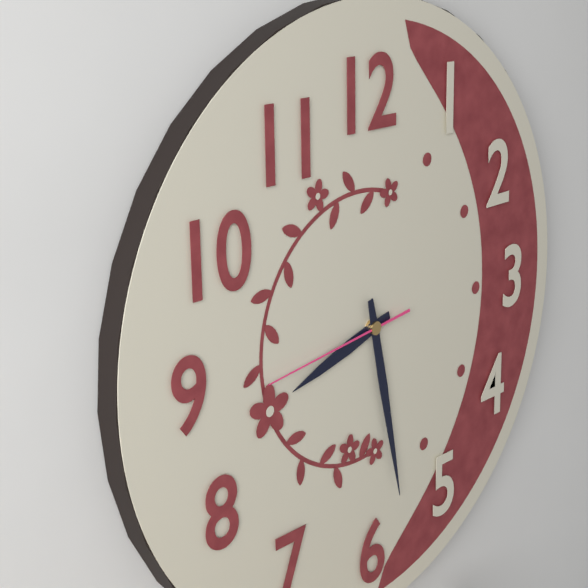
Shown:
8 h 28 min 44 s
